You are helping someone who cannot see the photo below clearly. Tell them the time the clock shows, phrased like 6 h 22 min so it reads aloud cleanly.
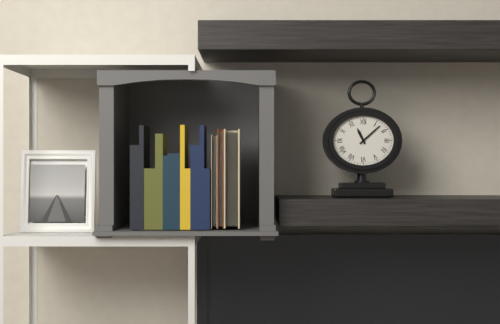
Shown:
11 h 08 min
